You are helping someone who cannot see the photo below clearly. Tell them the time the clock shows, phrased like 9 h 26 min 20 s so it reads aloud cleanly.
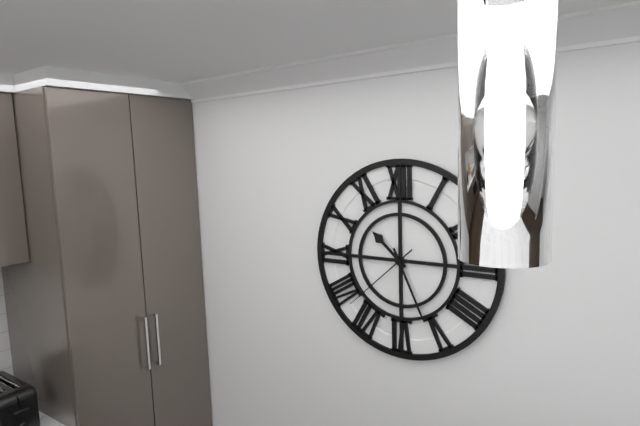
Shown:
10 h 26 min 38 s
